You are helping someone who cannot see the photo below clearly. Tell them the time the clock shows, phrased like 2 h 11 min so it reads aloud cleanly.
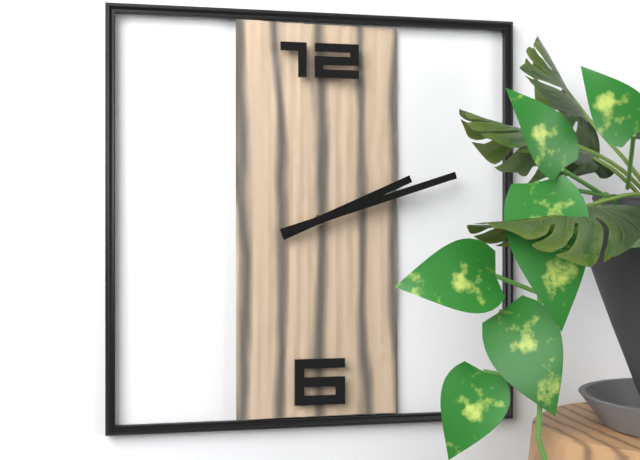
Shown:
2 h 12 min
